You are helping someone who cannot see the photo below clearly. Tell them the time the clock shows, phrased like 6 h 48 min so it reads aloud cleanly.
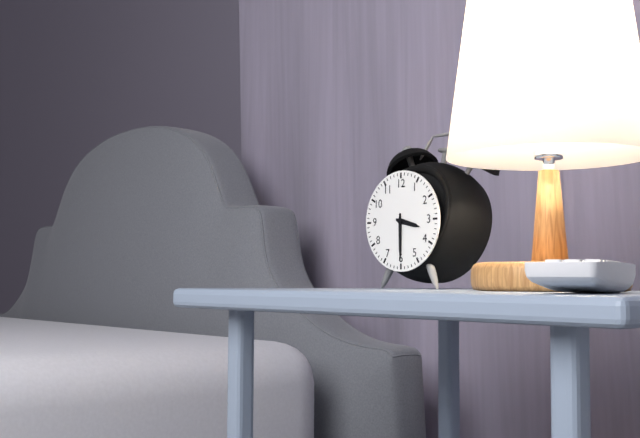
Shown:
3 h 30 min
